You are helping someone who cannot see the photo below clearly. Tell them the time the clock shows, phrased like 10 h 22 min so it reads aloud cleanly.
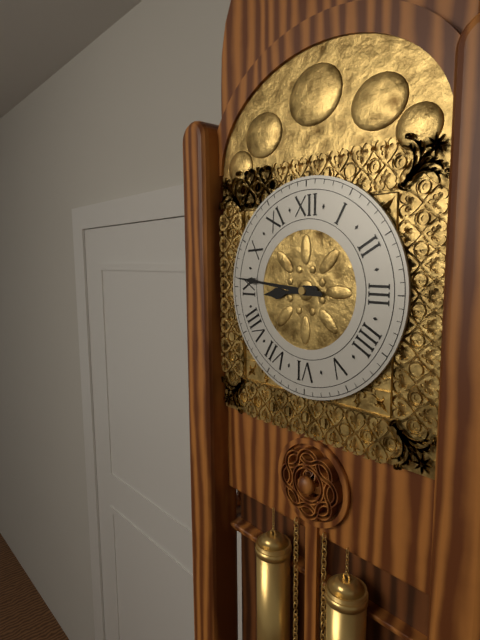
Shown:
8 h 46 min
